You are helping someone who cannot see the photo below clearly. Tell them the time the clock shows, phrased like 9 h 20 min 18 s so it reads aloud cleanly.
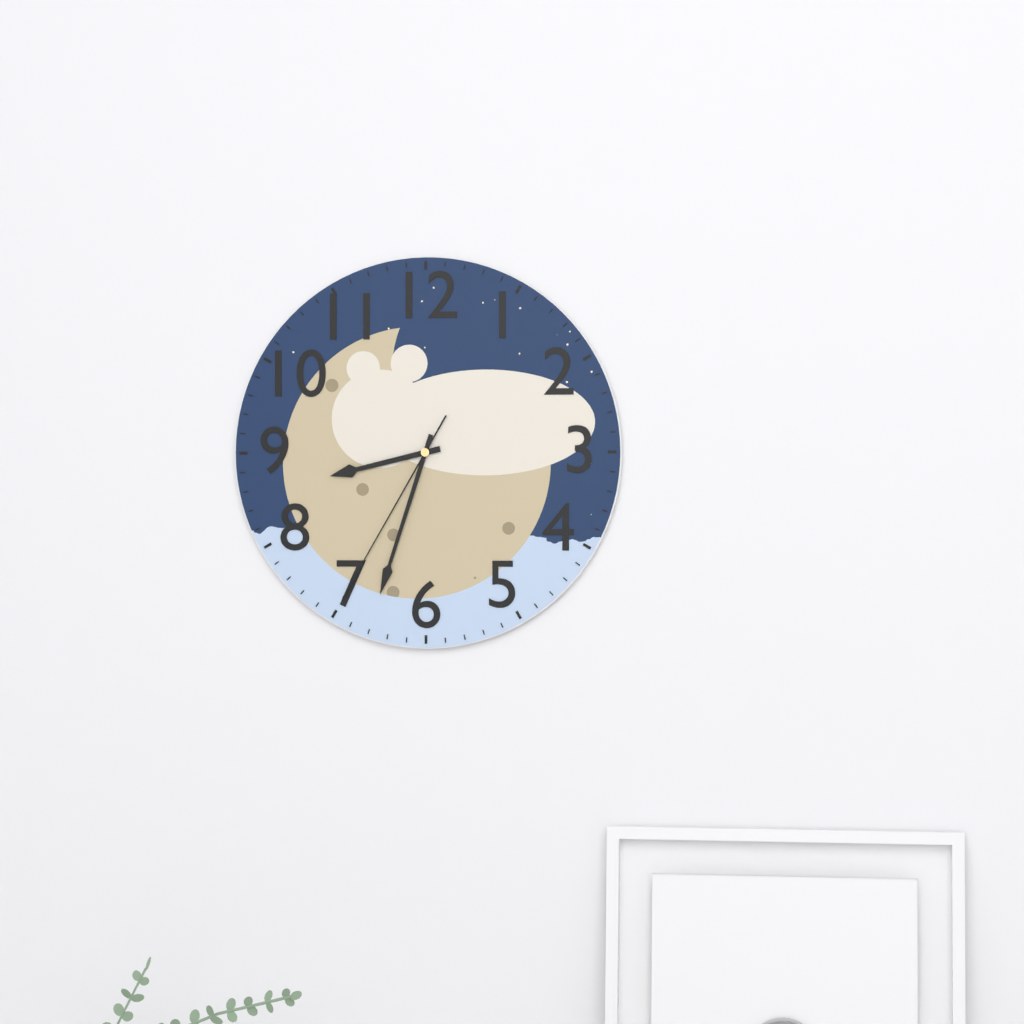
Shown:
8 h 33 min 35 s
